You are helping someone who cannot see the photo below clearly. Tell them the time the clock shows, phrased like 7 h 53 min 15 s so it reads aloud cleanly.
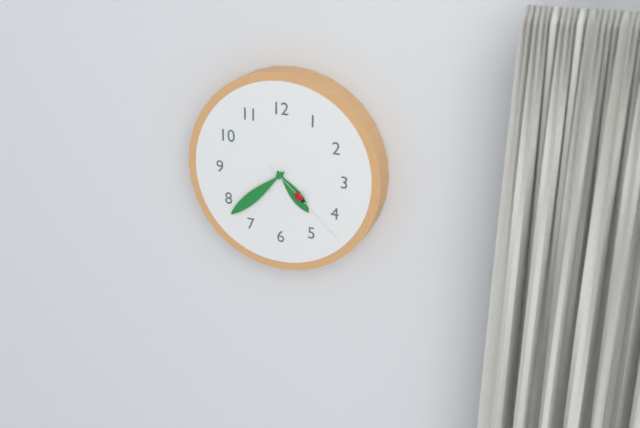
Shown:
4 h 38 min 22 s
